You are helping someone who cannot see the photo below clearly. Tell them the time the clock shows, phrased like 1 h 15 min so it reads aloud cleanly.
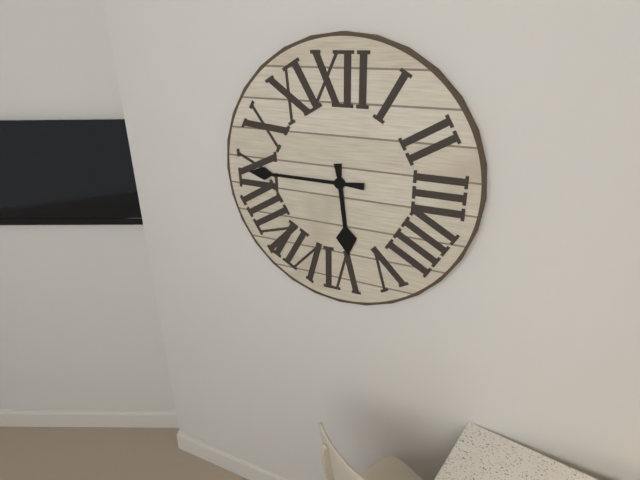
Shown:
5 h 45 min
